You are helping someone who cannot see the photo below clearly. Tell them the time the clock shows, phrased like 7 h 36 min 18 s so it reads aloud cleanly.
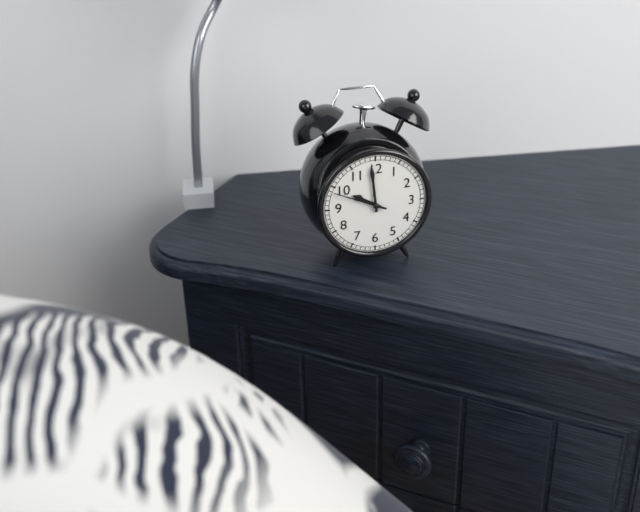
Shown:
9 h 59 min 49 s
